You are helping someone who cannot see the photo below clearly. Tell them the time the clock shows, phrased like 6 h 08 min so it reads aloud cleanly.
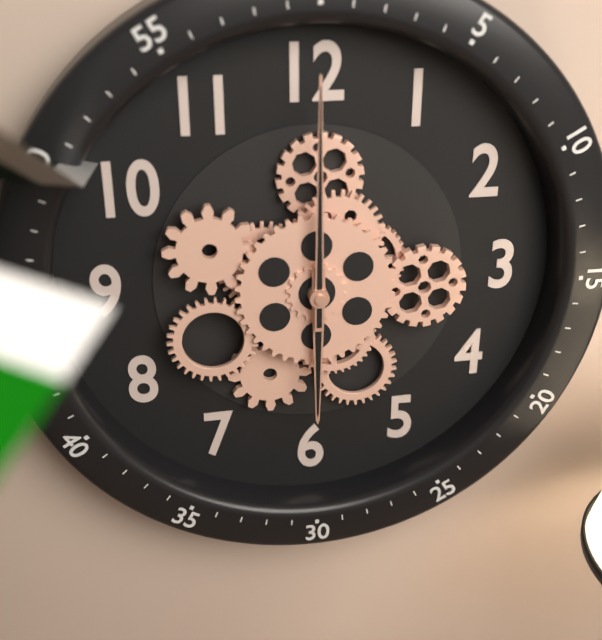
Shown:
6 h 00 min
